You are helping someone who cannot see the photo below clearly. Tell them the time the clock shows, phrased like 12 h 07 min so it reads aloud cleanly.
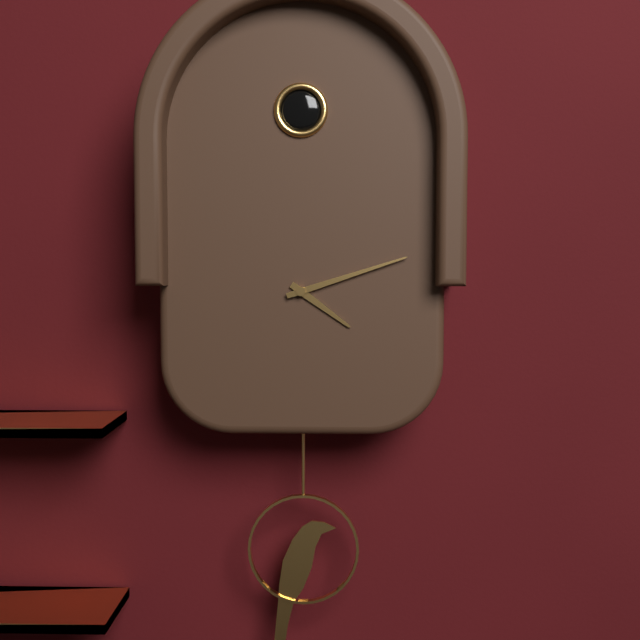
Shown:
4 h 12 min
